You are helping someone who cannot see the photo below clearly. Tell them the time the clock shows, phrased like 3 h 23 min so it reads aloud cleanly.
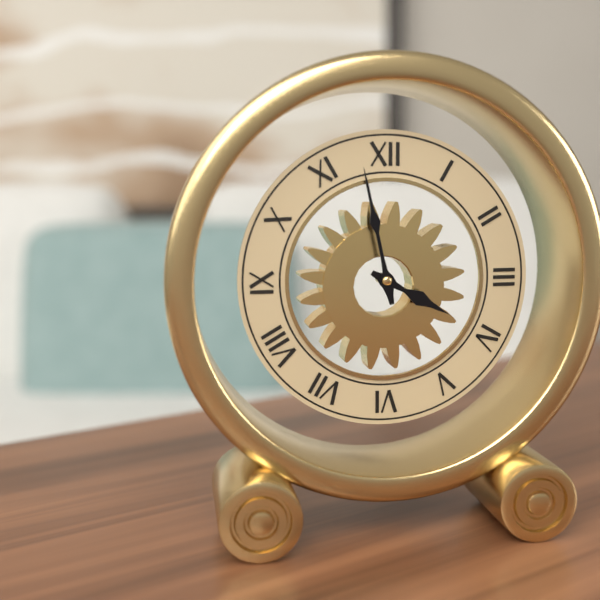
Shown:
3 h 58 min
